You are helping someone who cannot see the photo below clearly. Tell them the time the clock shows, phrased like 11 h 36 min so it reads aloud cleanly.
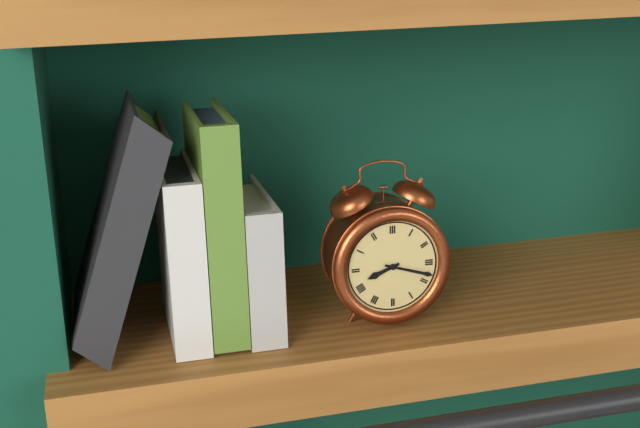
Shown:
8 h 18 min
